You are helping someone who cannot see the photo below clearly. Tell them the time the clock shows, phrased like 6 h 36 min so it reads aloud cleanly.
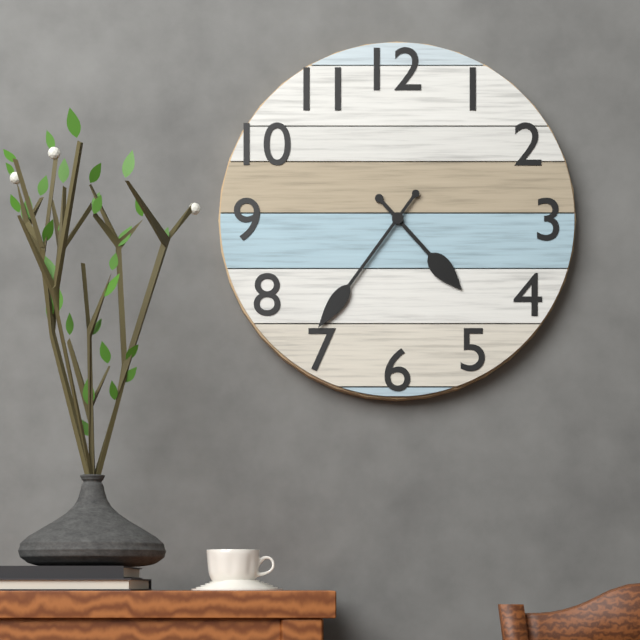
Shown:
4 h 36 min
